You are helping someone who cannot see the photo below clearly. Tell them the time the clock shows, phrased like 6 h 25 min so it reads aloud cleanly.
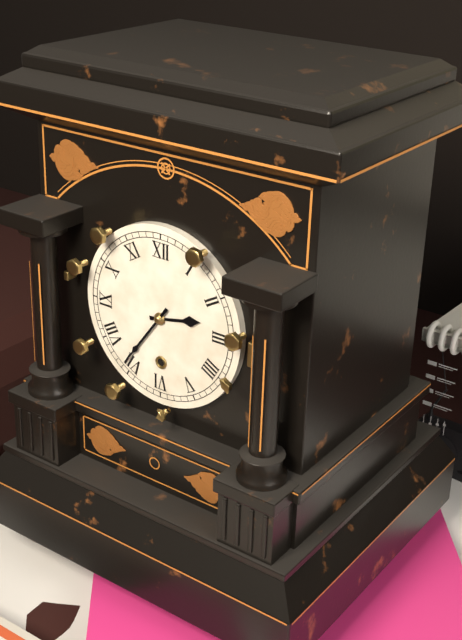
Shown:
2 h 36 min
